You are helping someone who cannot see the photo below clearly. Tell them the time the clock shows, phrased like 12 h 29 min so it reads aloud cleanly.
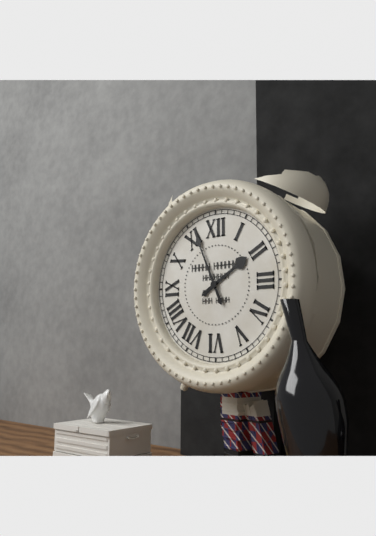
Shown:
1 h 56 min
